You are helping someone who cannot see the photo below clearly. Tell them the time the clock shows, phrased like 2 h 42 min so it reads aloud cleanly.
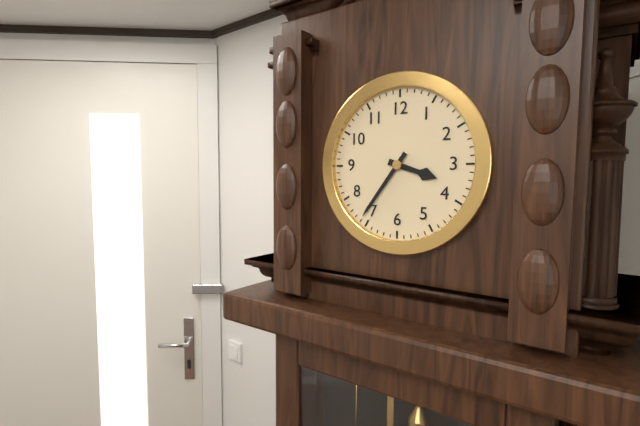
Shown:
3 h 36 min
